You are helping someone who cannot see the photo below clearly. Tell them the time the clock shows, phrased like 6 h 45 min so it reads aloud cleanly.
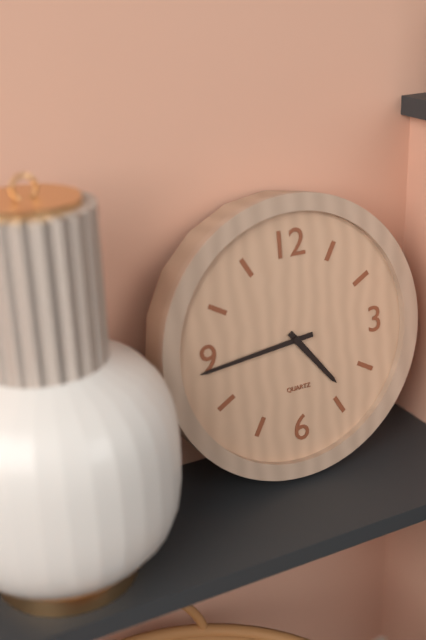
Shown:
4 h 44 min
